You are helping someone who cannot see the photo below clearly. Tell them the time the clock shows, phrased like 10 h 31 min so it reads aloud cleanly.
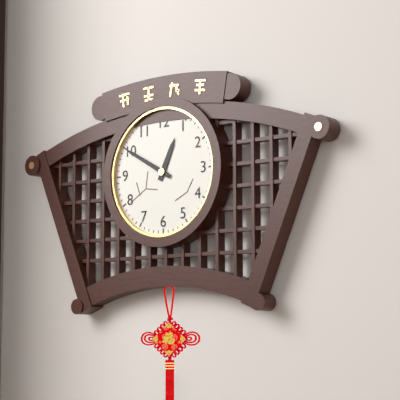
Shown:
12 h 50 min
